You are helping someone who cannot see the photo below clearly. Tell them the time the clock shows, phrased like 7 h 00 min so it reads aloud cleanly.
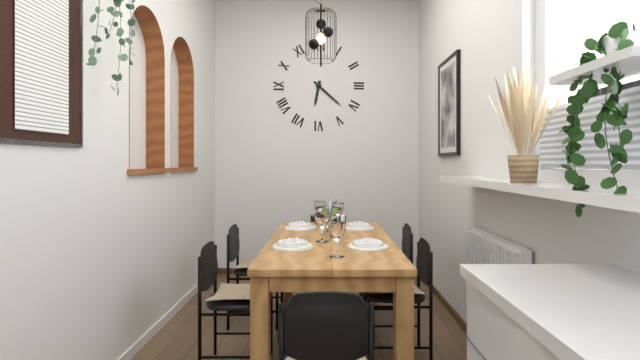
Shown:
6 h 22 min
